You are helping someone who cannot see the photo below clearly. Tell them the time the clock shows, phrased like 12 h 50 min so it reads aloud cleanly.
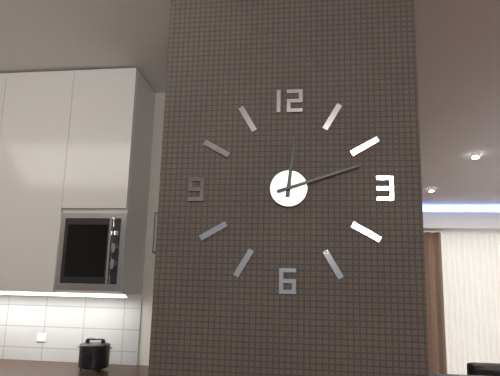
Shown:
12 h 12 min
